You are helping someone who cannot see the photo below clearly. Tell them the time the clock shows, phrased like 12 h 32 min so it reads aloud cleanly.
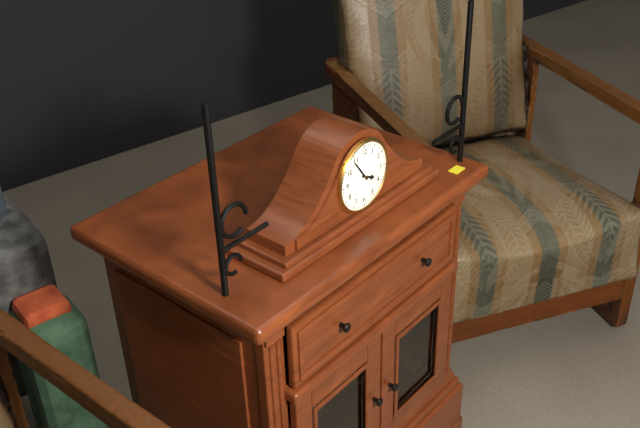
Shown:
3 h 54 min
